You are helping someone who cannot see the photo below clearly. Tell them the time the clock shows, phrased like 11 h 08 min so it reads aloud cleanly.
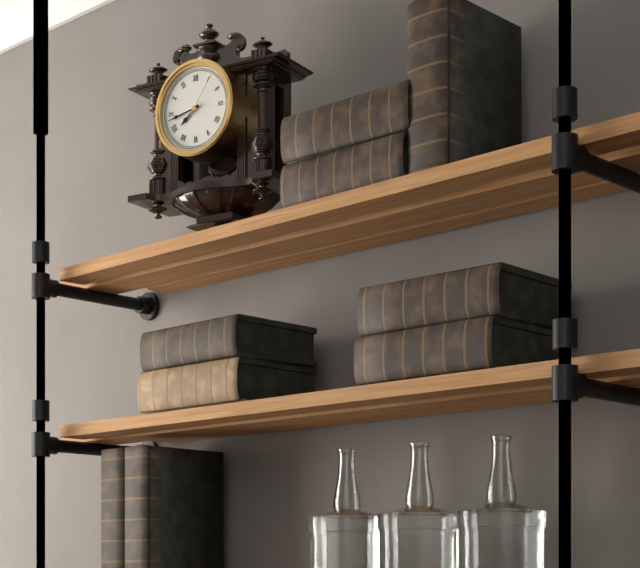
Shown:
7 h 43 min
